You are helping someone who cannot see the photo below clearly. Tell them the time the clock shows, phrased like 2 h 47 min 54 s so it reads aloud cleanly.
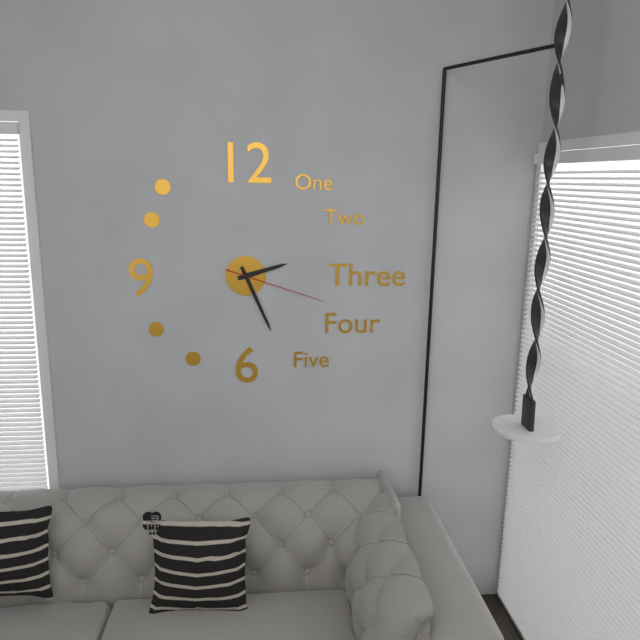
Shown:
2 h 26 min 18 s
